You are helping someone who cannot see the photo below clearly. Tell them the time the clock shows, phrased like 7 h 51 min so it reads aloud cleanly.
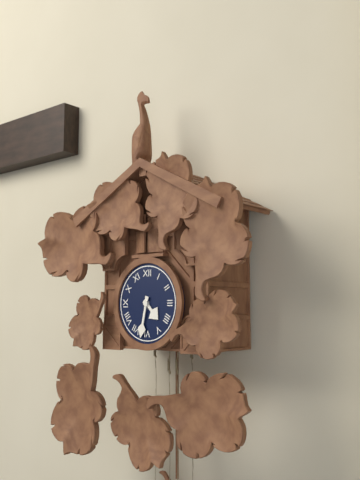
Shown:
4 h 32 min
